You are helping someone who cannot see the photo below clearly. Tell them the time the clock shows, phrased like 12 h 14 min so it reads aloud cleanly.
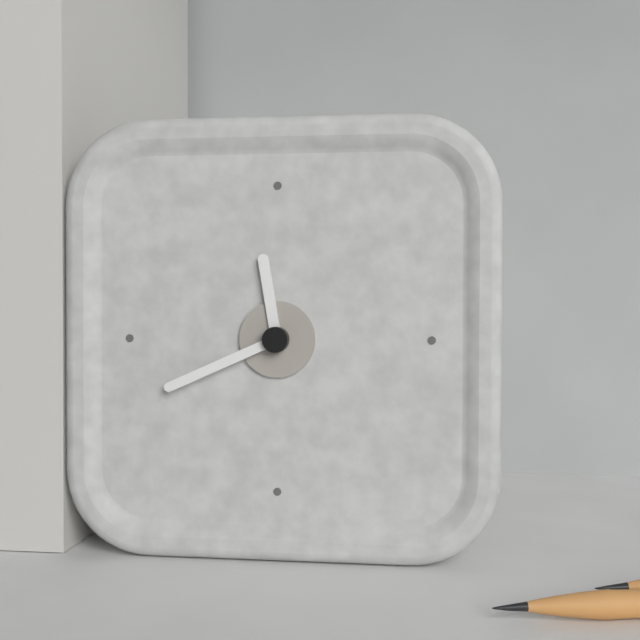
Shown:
11 h 41 min
